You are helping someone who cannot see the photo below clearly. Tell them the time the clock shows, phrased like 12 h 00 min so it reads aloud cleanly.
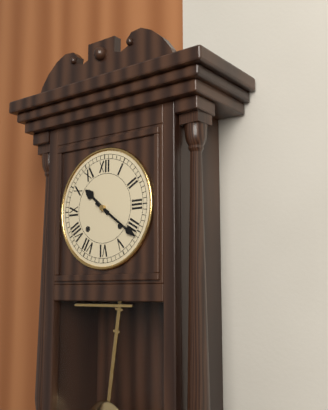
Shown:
10 h 21 min
